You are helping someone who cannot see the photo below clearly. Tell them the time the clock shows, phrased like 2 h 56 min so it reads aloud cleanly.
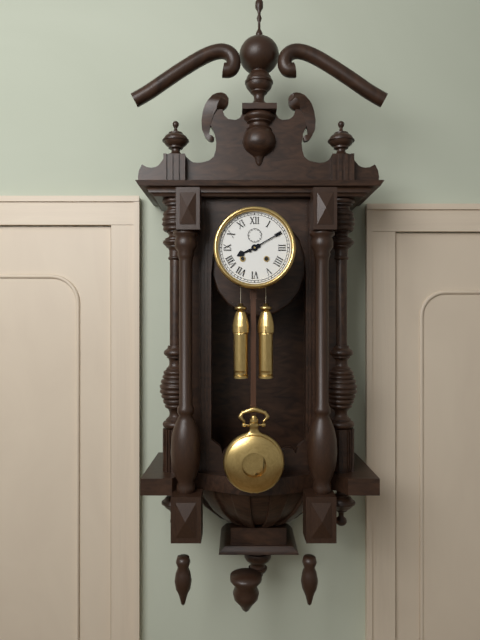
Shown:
8 h 10 min
